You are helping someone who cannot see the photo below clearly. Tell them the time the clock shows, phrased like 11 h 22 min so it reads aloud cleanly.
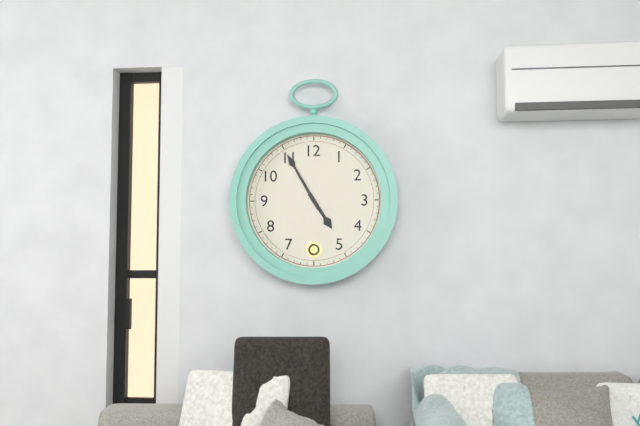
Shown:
4 h 55 min
